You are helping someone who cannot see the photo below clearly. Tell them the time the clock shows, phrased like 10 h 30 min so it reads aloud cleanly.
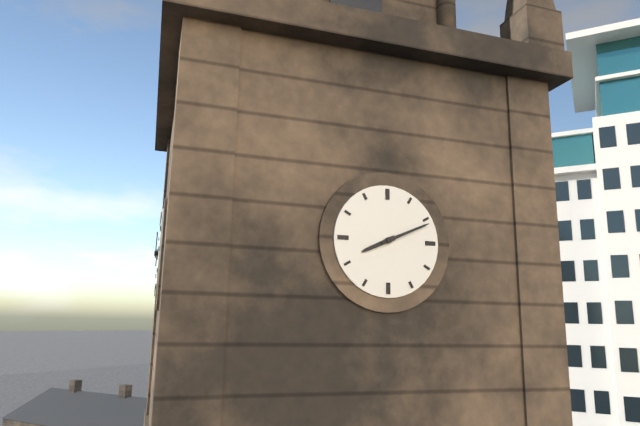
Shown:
8 h 11 min
